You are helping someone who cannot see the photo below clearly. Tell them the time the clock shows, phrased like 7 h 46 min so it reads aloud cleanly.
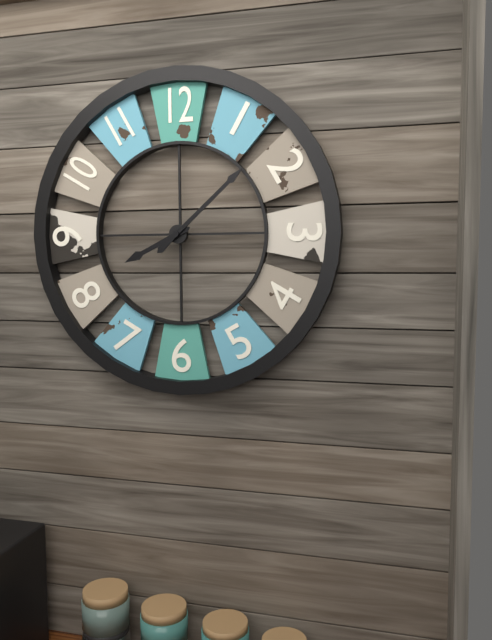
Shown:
8 h 08 min
